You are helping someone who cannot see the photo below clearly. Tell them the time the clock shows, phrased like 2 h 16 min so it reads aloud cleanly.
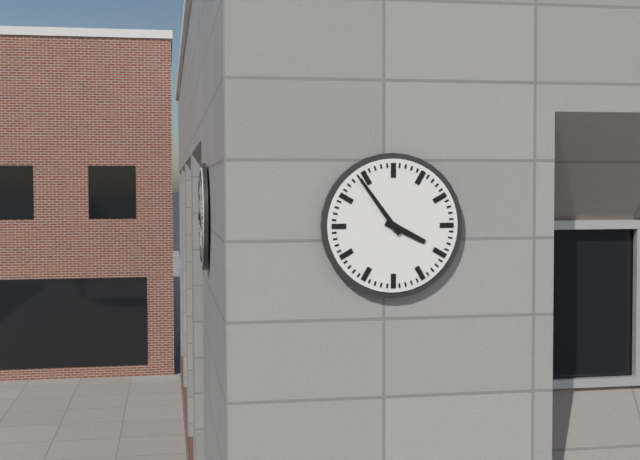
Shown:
3 h 54 min
